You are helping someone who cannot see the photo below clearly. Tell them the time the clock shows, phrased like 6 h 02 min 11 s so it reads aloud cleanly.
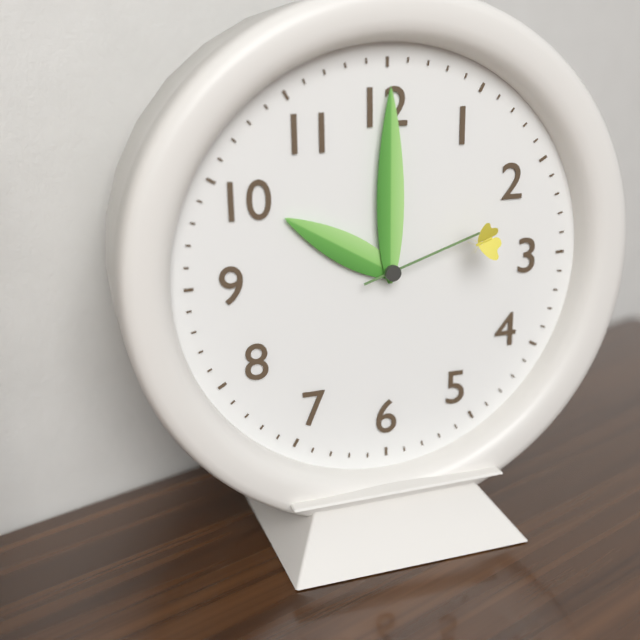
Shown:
10 h 00 min 12 s
